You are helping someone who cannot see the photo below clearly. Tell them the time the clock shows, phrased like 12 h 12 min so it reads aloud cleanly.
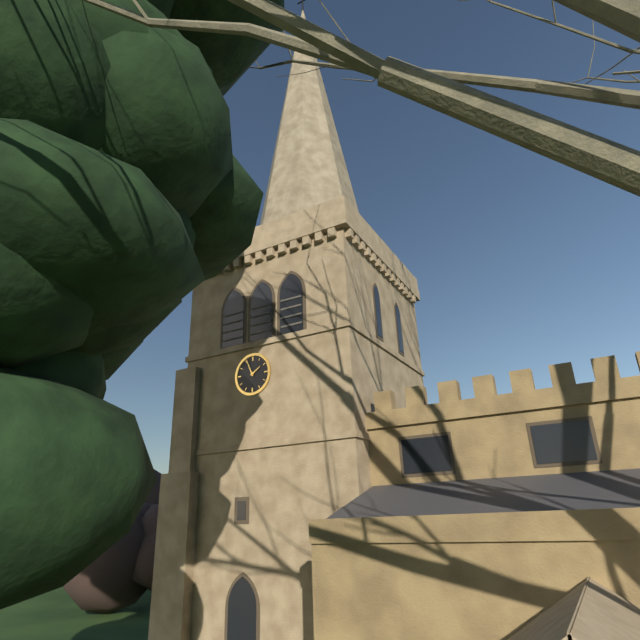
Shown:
1 h 56 min
